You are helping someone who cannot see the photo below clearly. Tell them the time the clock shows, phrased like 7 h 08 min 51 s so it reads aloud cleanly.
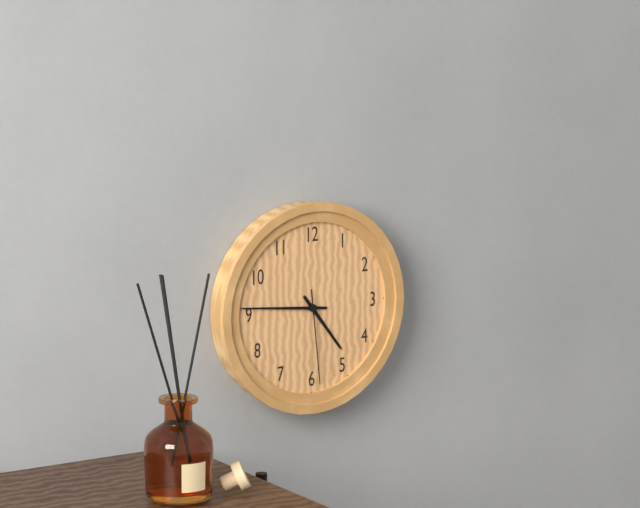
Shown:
4 h 46 min 29 s
